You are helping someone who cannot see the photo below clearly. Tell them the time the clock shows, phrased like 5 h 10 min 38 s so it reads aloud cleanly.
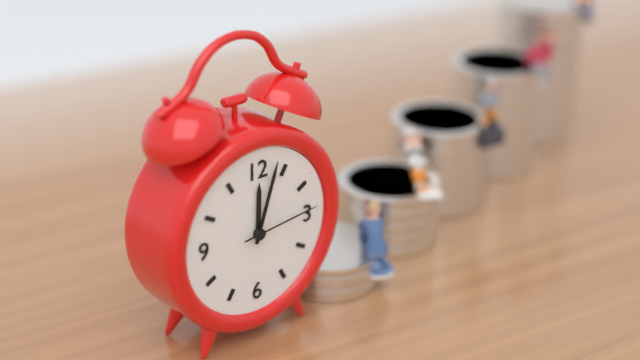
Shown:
12 h 03 min 14 s
